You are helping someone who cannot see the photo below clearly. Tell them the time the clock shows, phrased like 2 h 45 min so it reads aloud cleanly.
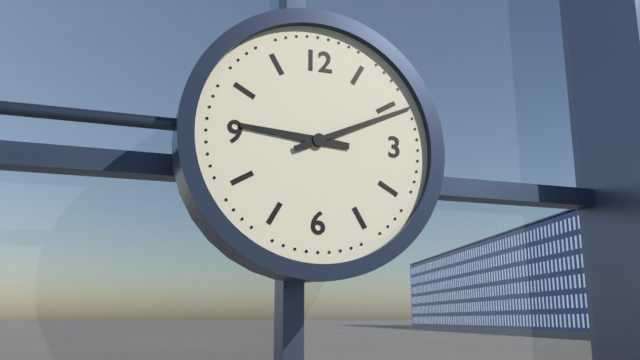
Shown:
9 h 11 min
